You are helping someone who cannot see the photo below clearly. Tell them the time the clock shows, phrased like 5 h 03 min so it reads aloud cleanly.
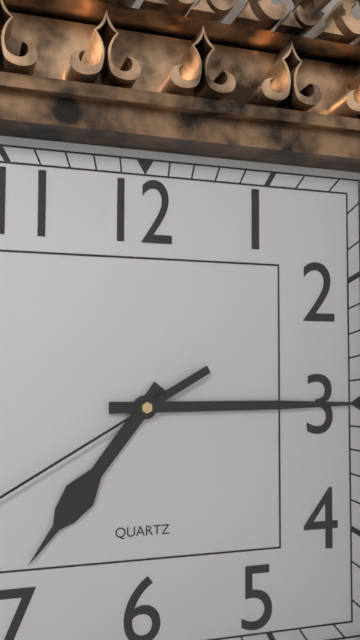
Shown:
7 h 15 min
